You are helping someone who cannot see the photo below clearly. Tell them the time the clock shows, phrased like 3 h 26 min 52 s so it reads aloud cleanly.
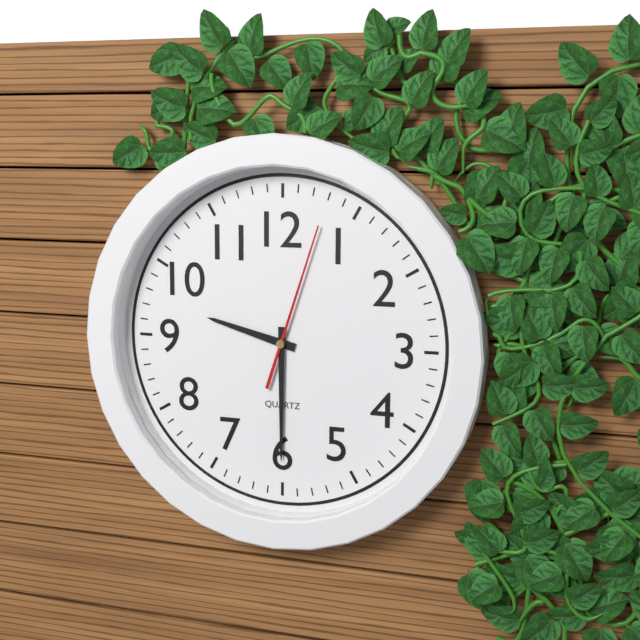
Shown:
9 h 30 min 03 s
